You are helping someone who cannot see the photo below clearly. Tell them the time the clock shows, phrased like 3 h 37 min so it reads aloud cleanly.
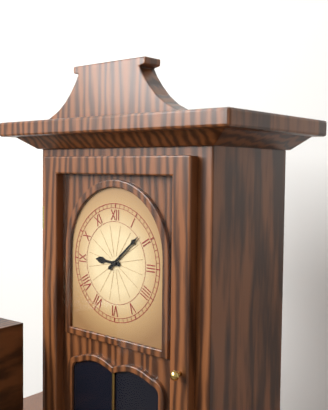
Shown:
9 h 08 min
